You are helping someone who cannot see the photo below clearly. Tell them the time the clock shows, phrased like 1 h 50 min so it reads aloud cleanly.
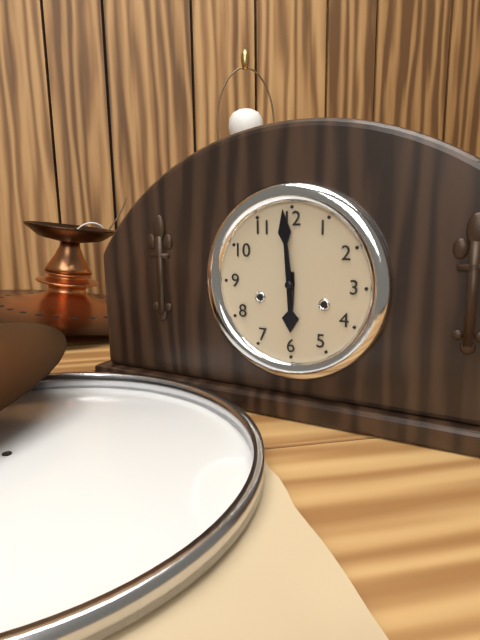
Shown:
5 h 59 min
